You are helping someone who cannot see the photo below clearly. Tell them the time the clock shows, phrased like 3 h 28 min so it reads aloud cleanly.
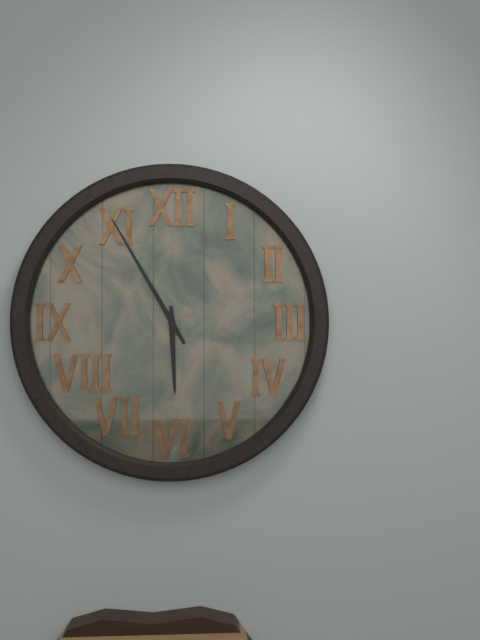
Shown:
5 h 55 min
